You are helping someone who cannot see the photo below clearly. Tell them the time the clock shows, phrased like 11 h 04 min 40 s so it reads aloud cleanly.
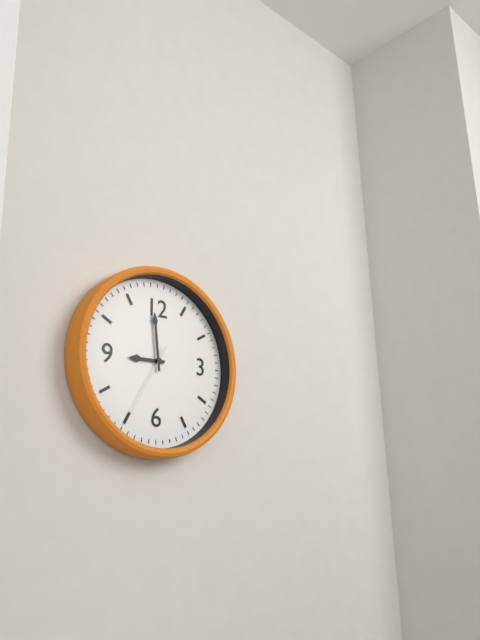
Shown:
8 h 59 min 35 s
